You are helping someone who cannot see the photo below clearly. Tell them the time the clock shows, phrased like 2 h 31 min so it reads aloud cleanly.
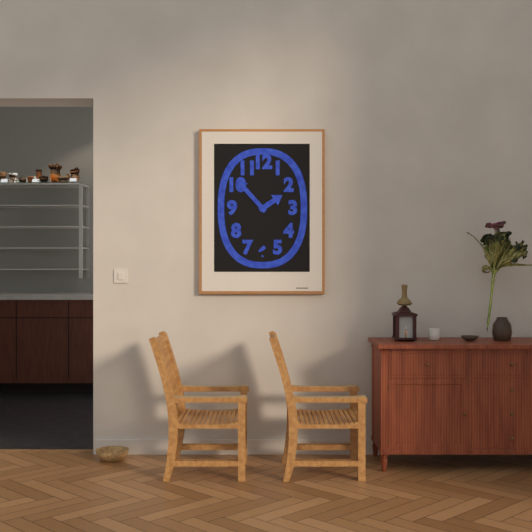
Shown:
1 h 53 min
